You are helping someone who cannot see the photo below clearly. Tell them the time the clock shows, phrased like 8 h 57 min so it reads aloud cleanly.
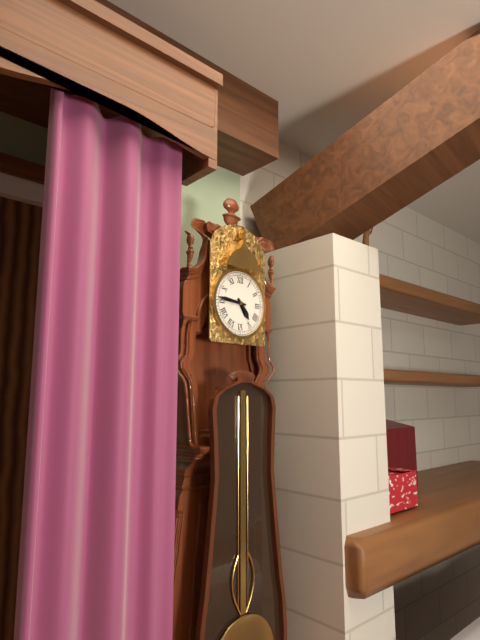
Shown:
4 h 46 min
